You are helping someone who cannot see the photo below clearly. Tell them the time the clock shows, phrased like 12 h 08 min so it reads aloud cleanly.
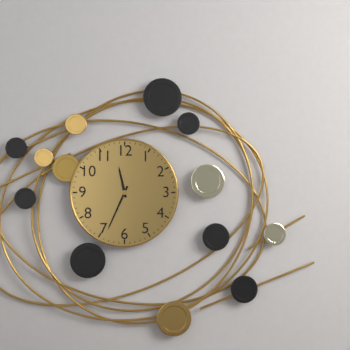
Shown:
11 h 34 min
